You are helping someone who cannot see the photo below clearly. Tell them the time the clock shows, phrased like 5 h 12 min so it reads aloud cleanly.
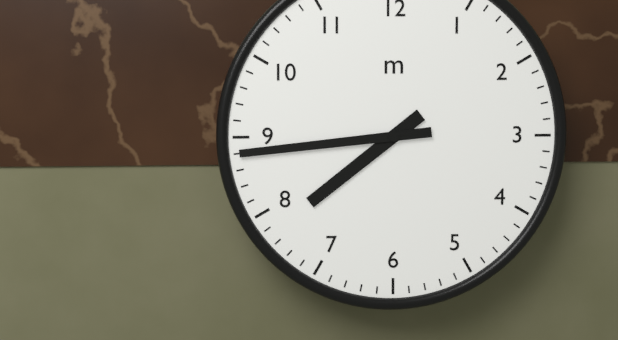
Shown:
7 h 44 min
